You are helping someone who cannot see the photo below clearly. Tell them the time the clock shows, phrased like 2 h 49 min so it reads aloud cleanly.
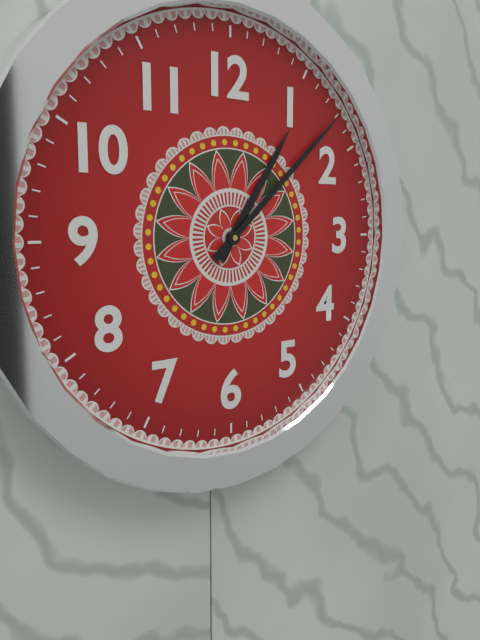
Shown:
1 h 08 min
